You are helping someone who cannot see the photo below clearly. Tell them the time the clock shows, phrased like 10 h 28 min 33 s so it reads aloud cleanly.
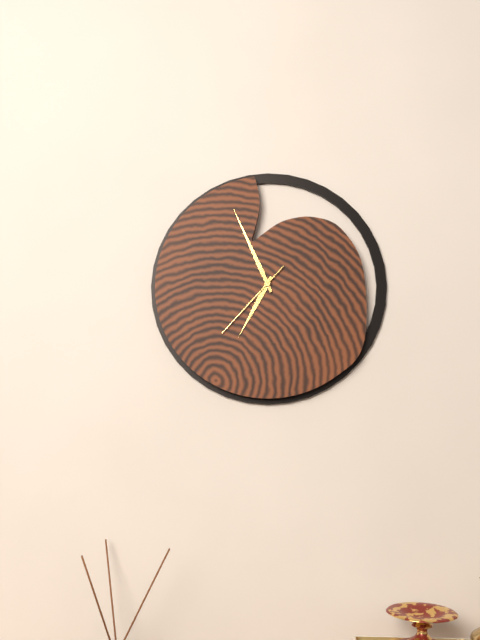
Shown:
6 h 56 min 37 s
